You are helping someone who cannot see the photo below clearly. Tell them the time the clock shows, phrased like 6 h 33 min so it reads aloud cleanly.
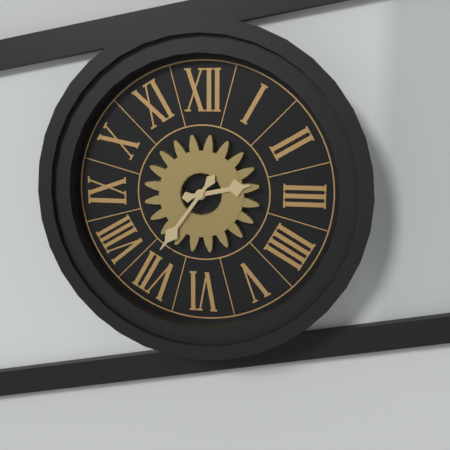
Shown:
2 h 36 min
